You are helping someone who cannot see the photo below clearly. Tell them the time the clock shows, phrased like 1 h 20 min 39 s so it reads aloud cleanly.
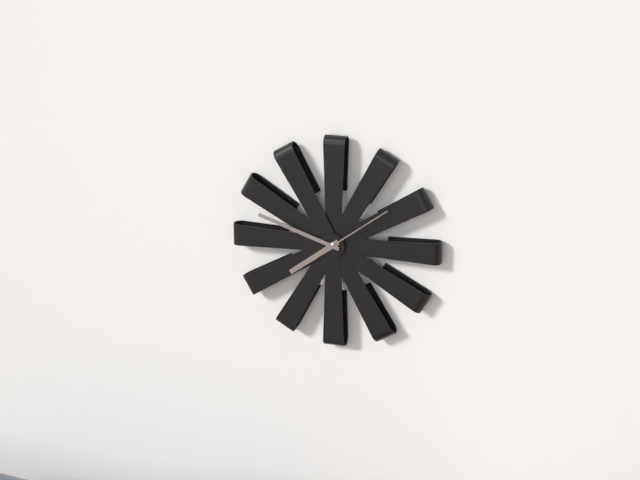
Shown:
7 h 48 min 09 s
